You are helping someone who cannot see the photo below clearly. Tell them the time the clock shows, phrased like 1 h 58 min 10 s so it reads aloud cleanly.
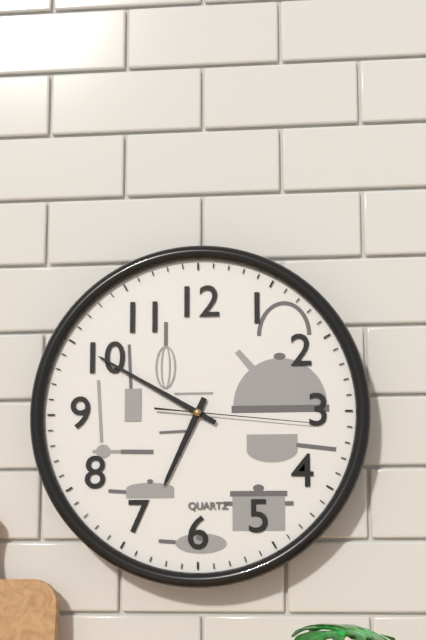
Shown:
6 h 50 min 16 s
